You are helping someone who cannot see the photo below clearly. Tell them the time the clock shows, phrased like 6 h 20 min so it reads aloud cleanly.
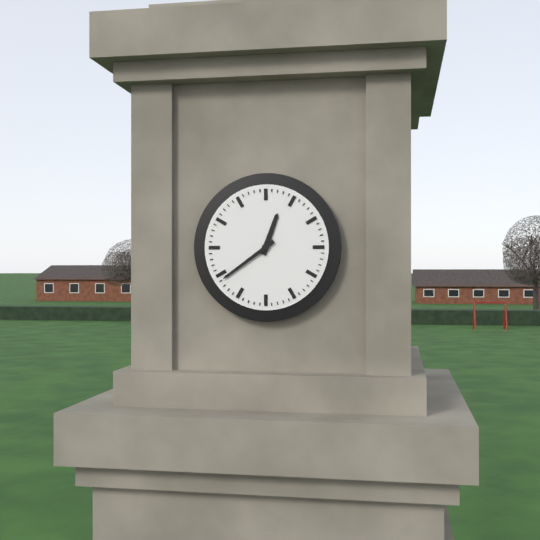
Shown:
12 h 39 min
